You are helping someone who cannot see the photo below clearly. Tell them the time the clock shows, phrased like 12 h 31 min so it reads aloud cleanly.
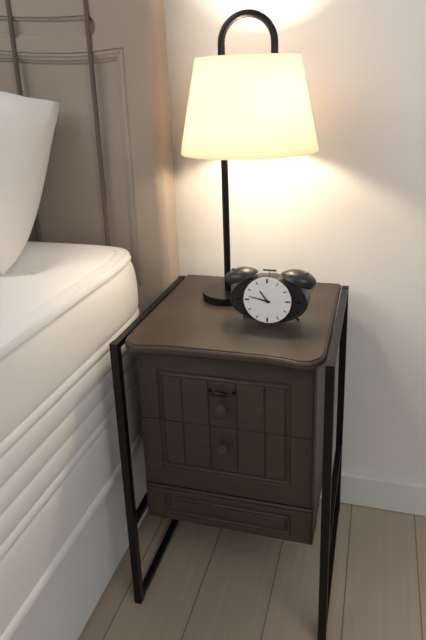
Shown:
10 h 47 min
